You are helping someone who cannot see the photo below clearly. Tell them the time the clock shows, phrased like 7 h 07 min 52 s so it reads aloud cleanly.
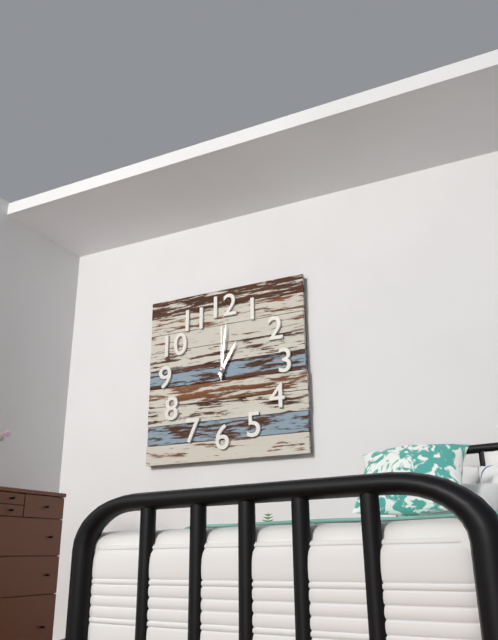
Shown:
1 h 01 min 00 s
